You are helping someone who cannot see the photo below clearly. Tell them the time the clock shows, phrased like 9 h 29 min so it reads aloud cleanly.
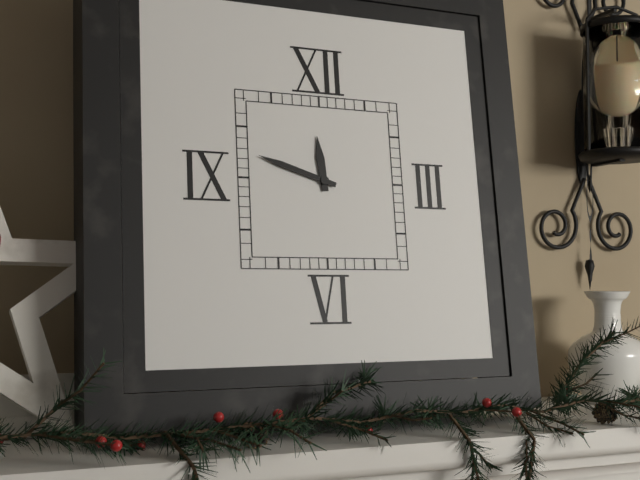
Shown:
11 h 48 min
